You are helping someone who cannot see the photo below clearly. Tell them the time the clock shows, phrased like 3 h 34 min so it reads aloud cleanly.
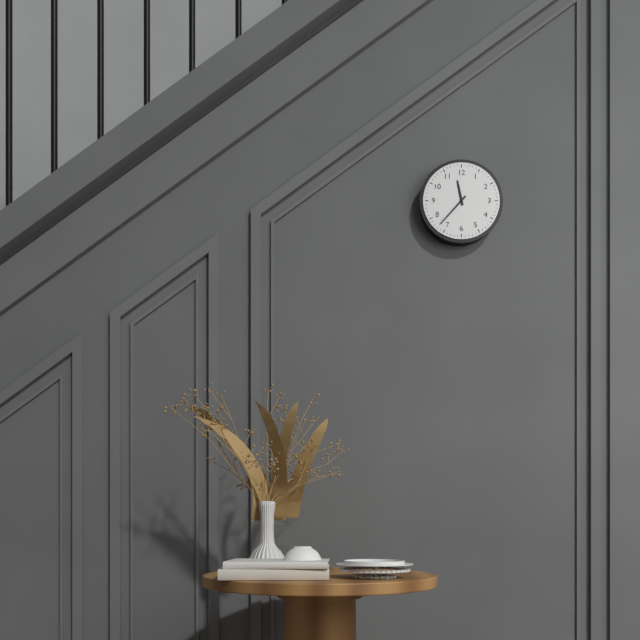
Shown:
11 h 37 min
